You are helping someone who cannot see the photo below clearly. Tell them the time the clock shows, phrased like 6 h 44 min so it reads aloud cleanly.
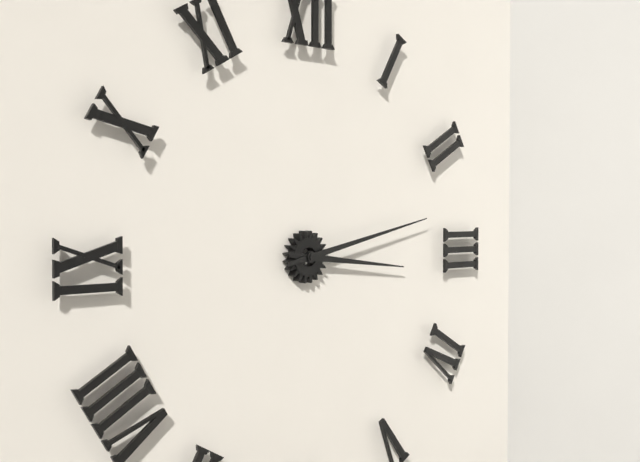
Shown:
3 h 13 min
